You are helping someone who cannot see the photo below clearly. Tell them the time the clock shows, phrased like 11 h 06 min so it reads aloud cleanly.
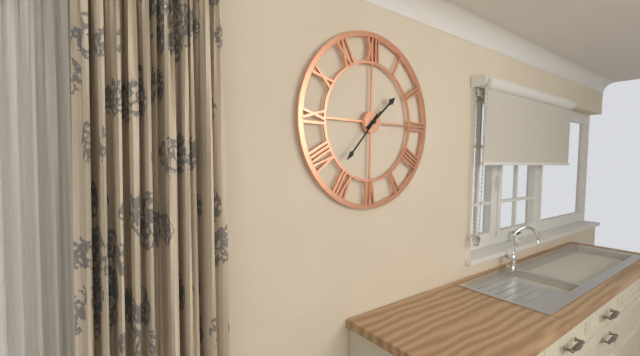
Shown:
1 h 37 min
